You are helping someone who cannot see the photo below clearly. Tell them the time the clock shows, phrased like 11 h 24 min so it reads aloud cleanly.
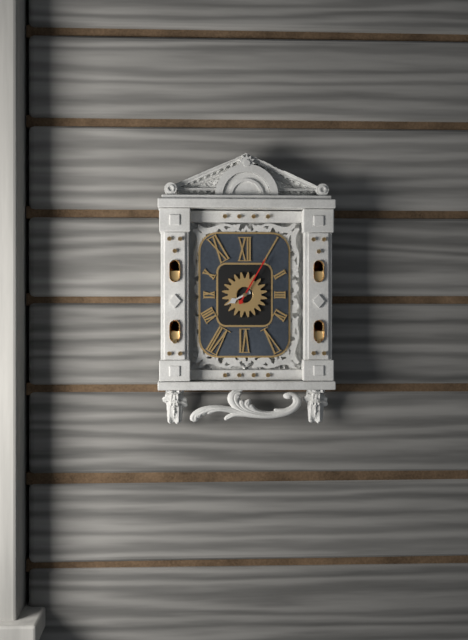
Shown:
8 h 05 min
